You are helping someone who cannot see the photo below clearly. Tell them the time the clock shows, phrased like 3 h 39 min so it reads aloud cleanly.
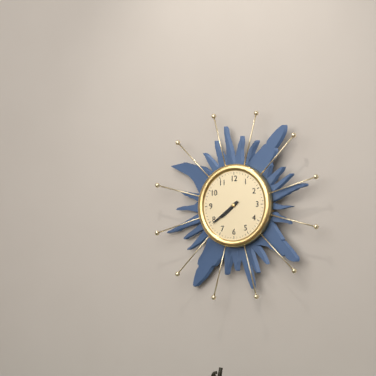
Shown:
7 h 39 min
